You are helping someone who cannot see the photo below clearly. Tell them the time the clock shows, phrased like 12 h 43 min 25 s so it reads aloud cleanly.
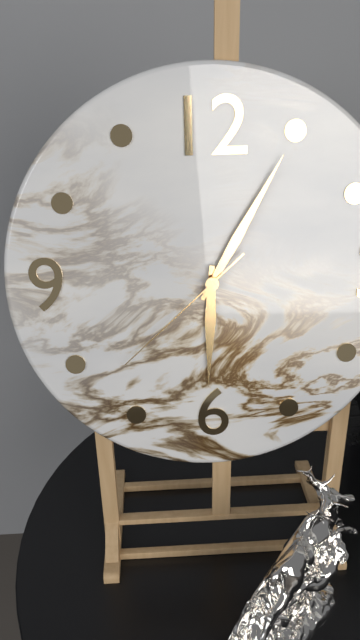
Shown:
6 h 05 min 38 s
